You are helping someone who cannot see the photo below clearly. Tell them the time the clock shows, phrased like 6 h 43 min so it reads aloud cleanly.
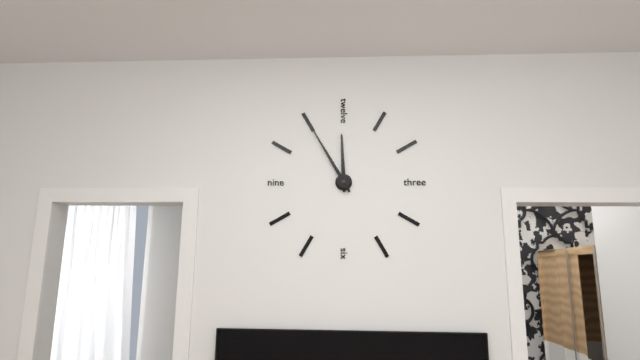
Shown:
11 h 55 min
